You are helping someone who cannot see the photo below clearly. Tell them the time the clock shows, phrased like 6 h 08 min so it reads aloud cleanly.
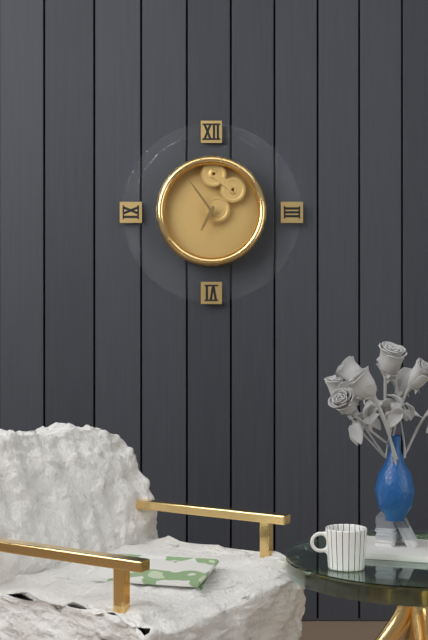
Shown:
6 h 54 min
